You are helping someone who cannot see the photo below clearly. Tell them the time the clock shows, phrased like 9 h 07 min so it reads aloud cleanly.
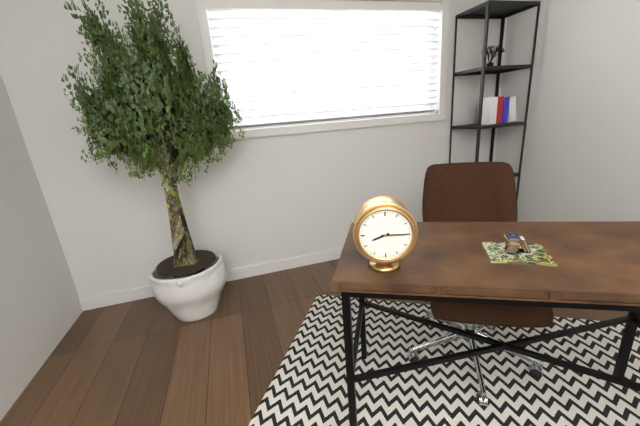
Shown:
8 h 15 min
